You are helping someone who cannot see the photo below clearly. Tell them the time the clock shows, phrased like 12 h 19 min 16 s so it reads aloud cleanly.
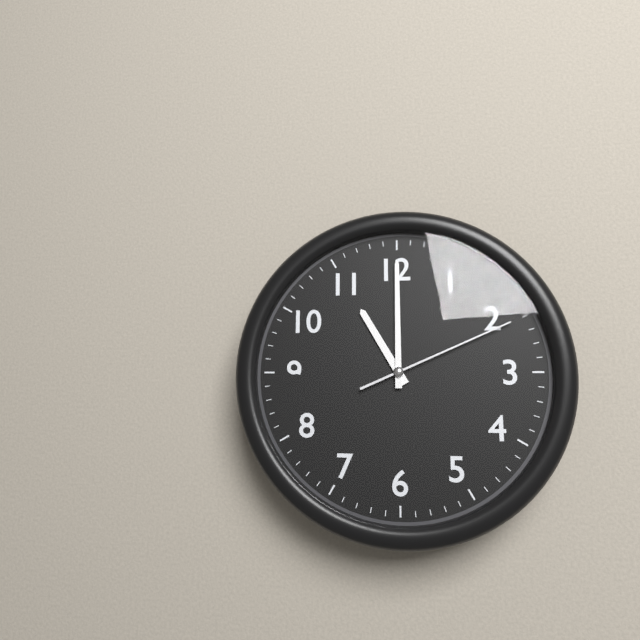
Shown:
11 h 00 min 11 s
